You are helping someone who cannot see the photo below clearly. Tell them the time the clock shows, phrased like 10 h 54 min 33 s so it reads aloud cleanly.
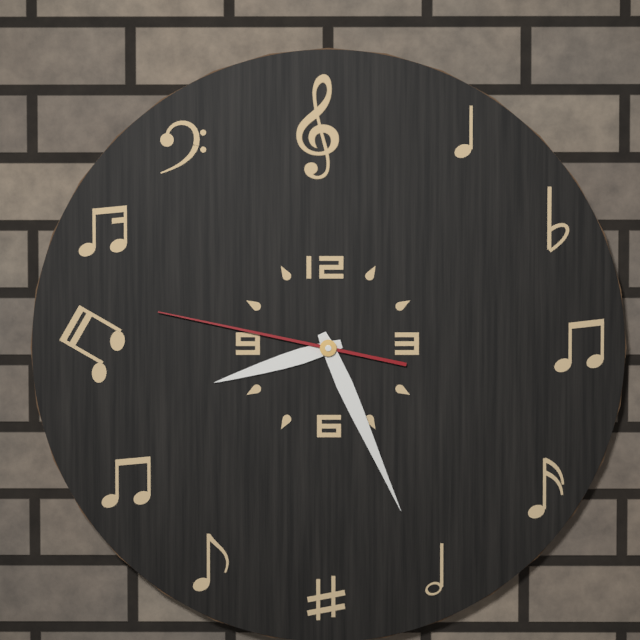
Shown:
8 h 26 min 47 s
